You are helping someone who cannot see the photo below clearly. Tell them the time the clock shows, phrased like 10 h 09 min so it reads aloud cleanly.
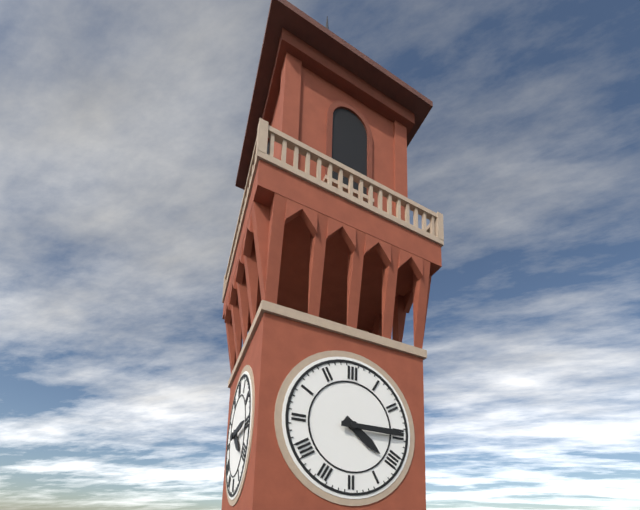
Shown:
4 h 15 min
